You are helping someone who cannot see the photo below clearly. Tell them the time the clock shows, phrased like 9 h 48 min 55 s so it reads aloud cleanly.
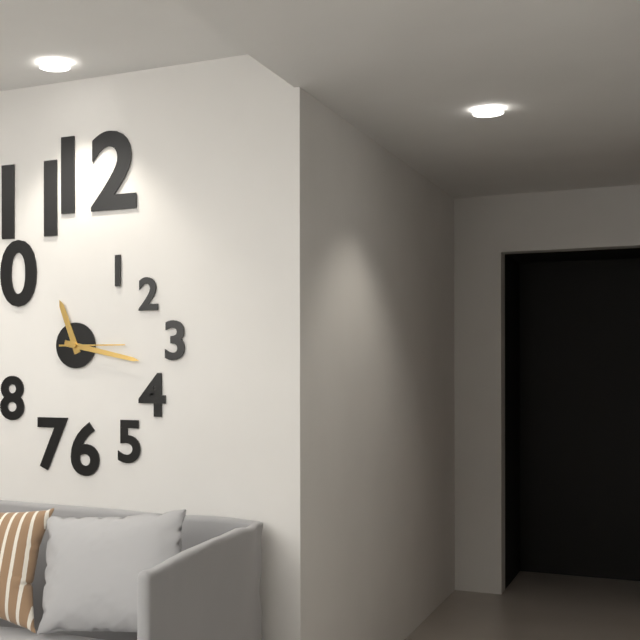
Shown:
11 h 17 min 15 s
